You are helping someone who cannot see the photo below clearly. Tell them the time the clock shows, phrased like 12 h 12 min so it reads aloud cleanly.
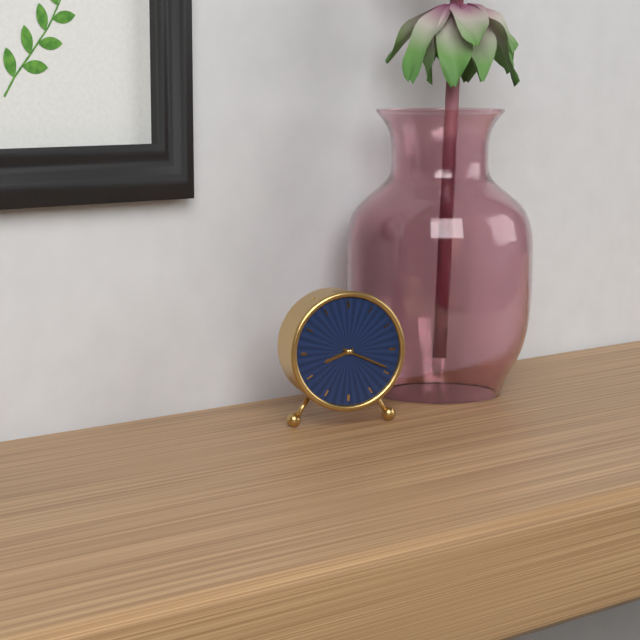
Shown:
8 h 19 min
